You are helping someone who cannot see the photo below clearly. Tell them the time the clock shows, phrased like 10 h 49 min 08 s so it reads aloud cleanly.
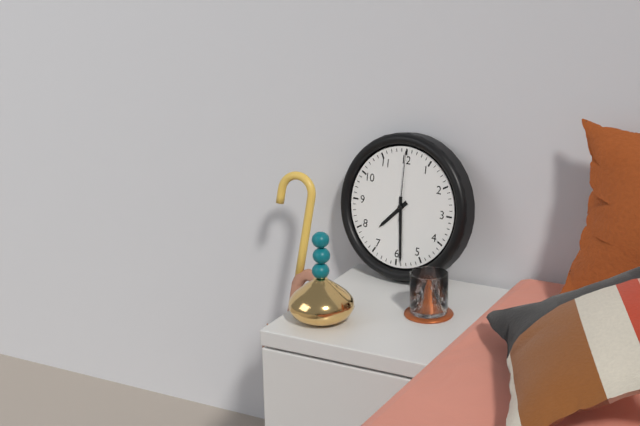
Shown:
7 h 29 min 00 s
